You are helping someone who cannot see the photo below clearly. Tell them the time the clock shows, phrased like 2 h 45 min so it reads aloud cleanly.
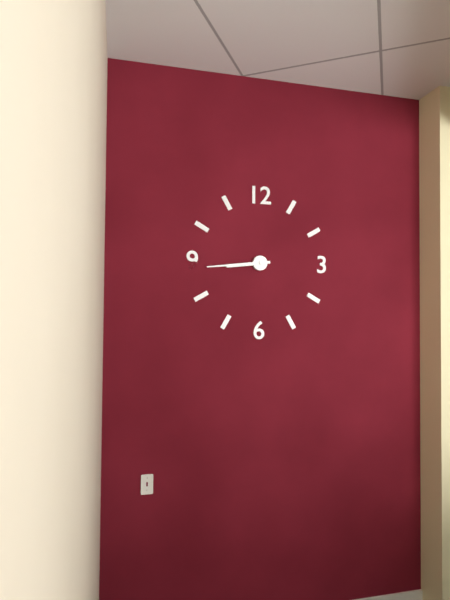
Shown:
8 h 44 min
